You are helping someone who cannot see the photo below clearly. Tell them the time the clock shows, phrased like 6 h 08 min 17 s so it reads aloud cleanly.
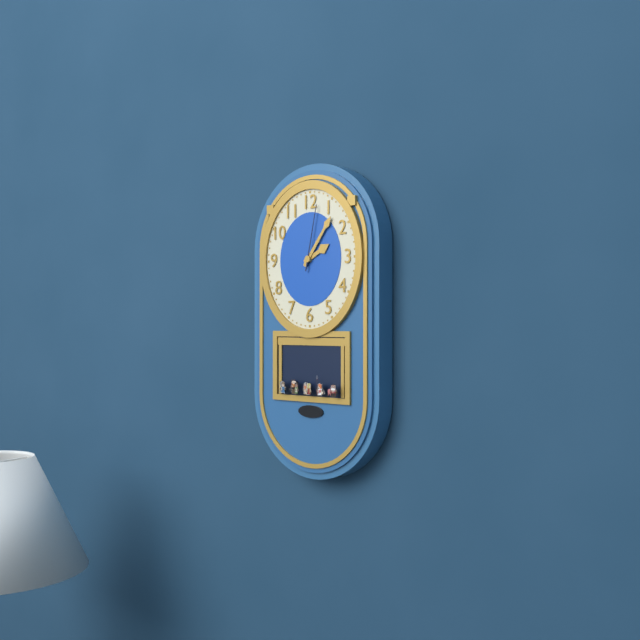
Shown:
2 h 06 min 02 s
